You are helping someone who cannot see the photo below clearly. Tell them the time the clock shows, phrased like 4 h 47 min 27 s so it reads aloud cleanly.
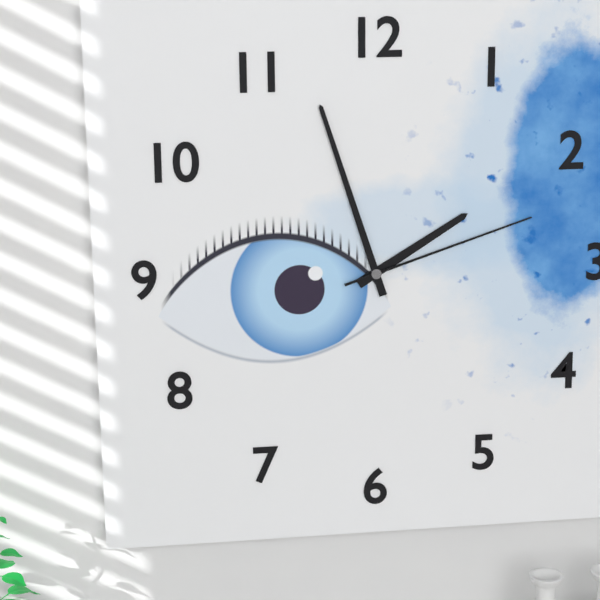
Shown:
1 h 57 min 12 s
